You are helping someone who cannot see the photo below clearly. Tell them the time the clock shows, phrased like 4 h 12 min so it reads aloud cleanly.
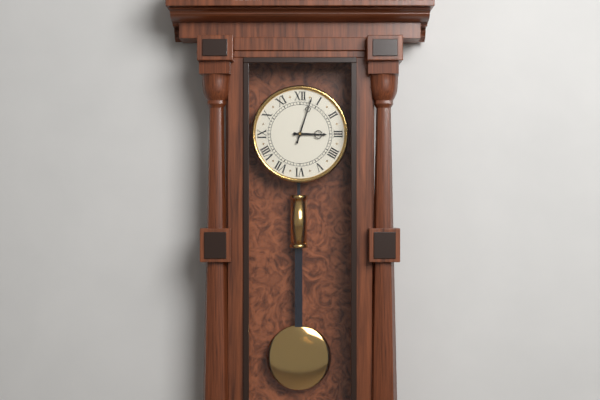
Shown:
3 h 03 min
